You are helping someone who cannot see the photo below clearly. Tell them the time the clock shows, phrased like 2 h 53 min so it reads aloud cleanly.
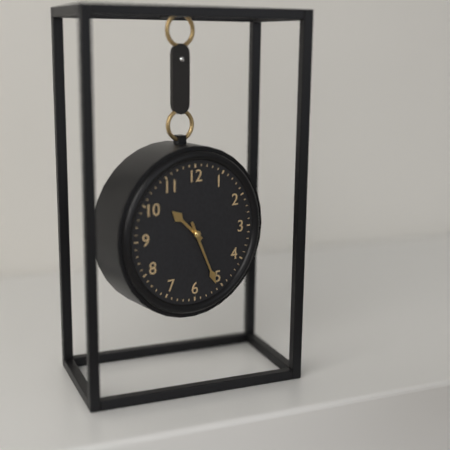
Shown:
10 h 26 min
